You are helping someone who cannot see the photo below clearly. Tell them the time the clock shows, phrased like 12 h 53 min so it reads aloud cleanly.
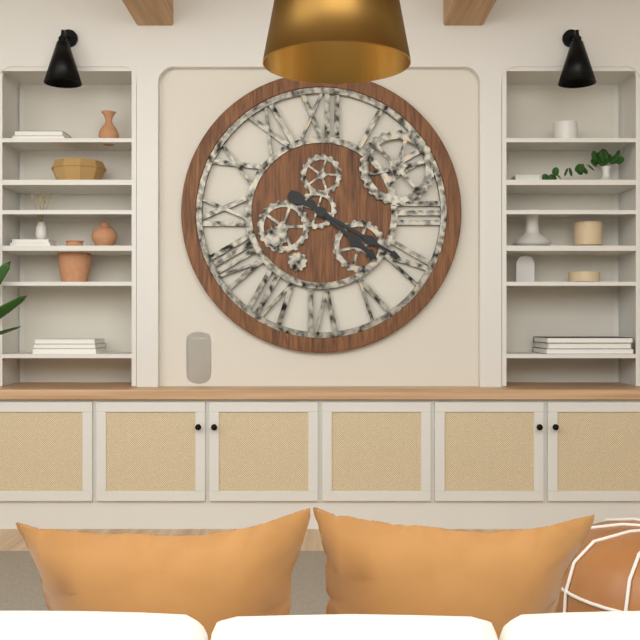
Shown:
4 h 20 min
